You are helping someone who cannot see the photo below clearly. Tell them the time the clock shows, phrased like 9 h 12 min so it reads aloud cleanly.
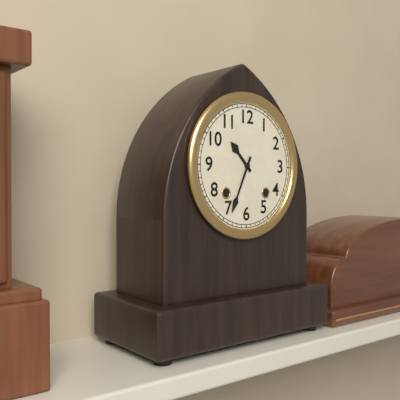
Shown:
10 h 34 min
